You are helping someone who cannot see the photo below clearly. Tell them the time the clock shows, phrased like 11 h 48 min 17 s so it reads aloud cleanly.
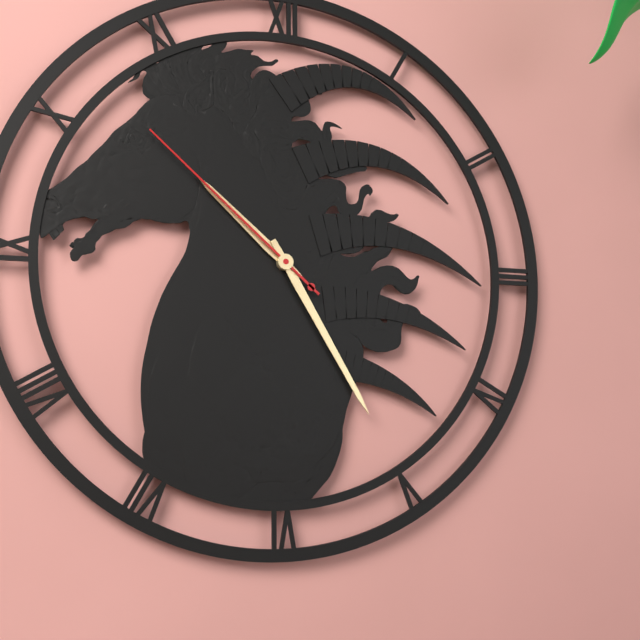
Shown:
10 h 25 min 52 s
